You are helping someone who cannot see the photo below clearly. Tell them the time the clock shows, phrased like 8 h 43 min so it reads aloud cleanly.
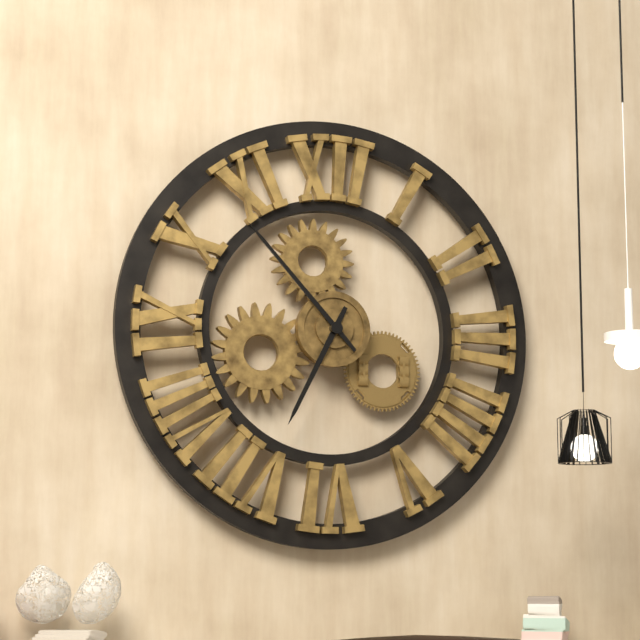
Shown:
6 h 53 min
